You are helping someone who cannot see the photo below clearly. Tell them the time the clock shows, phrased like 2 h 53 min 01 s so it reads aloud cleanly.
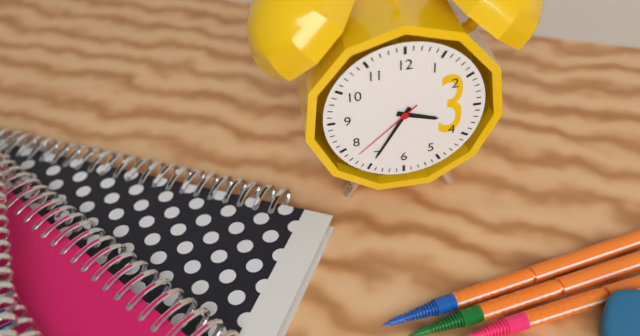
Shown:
3 h 35 min 38 s
